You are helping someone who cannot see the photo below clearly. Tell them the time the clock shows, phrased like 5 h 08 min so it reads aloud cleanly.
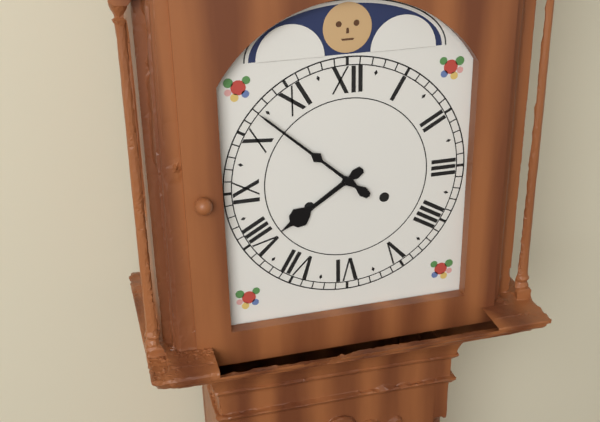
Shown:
7 h 52 min
